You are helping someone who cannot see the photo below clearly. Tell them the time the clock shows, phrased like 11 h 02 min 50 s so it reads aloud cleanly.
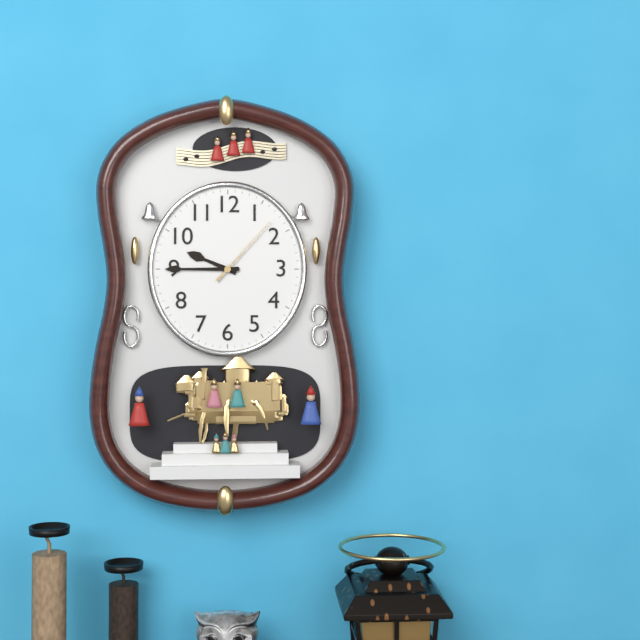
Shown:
9 h 45 min 07 s
